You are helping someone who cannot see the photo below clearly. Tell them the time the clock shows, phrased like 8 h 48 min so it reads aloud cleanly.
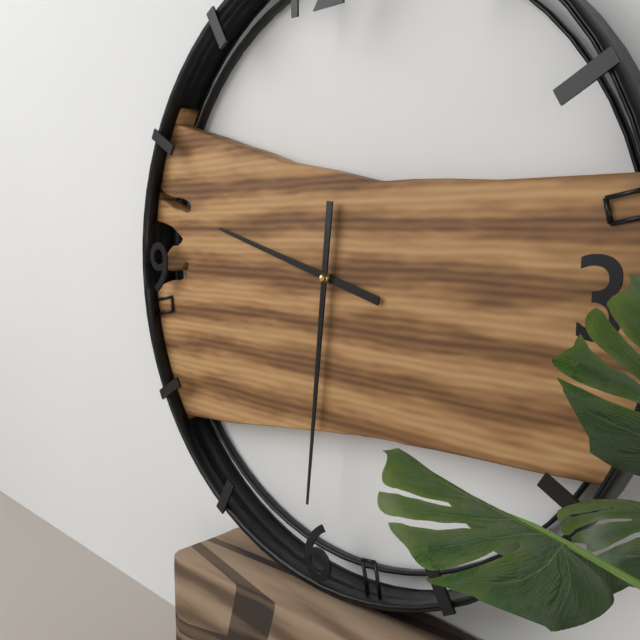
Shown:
9 h 31 min
